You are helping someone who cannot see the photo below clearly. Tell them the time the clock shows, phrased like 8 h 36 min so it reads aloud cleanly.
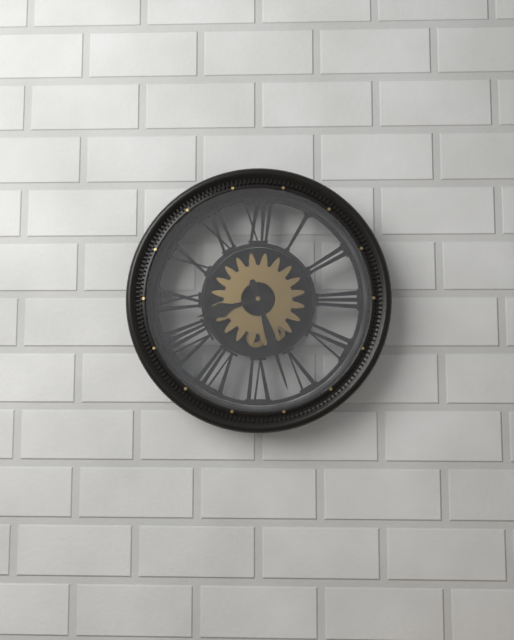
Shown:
8 h 27 min
